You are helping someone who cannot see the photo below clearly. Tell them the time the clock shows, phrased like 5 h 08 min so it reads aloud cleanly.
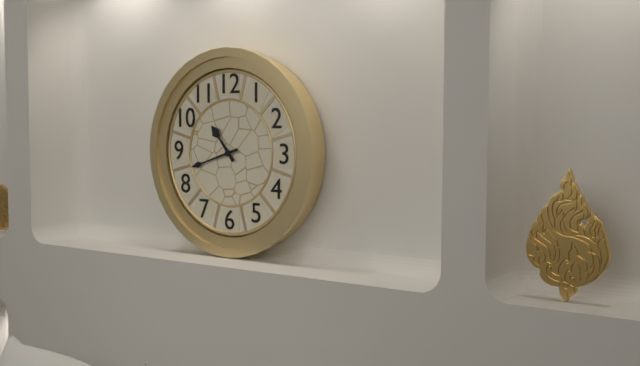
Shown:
10 h 42 min
